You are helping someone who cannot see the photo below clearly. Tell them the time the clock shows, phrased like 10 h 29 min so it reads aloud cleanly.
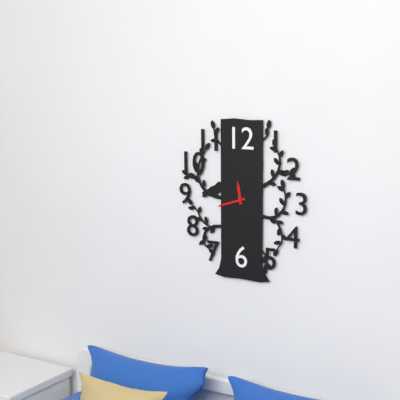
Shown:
11 h 42 min
